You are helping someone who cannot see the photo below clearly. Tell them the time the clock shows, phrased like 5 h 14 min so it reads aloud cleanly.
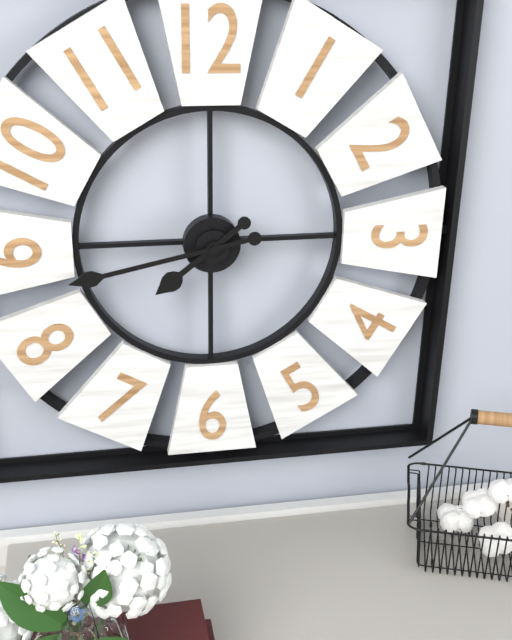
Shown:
7 h 43 min
